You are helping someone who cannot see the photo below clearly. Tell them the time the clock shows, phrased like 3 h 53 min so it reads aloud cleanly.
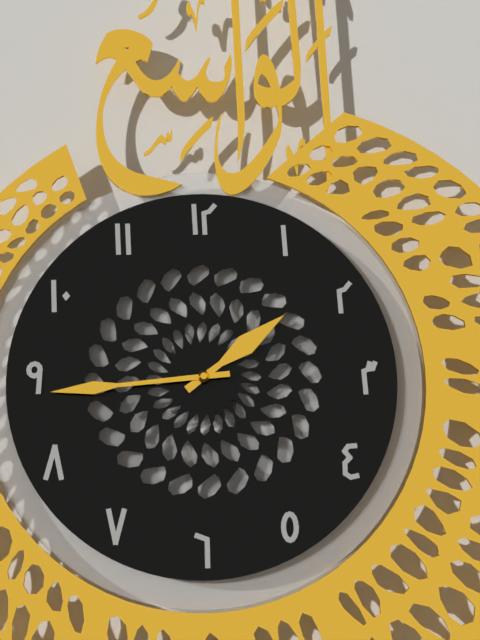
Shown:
1 h 44 min
